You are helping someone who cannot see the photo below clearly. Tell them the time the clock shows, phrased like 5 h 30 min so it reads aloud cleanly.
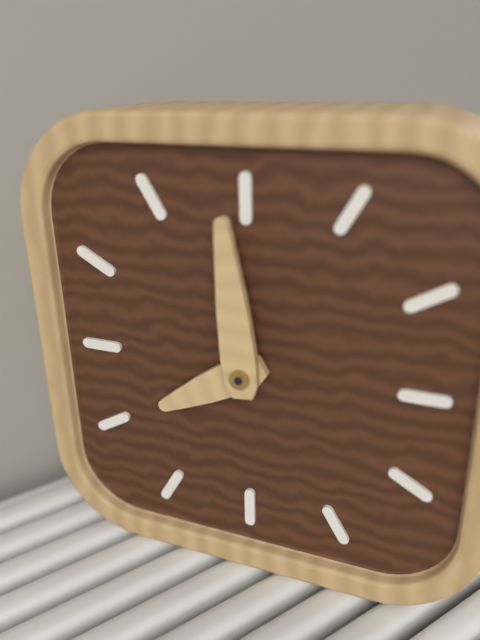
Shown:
7 h 59 min
